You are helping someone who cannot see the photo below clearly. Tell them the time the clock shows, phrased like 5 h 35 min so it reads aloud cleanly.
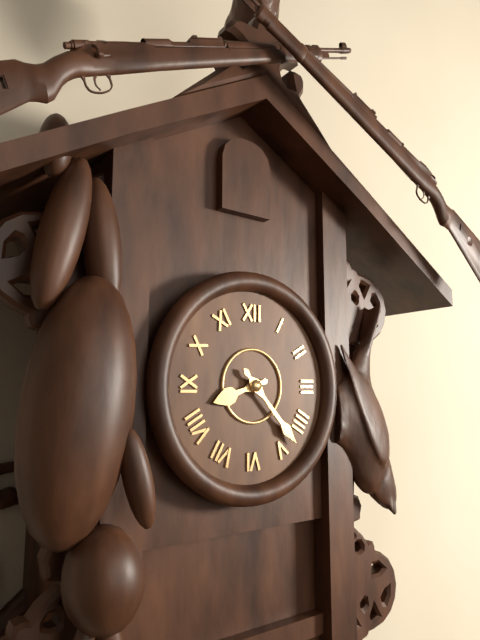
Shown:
8 h 23 min
